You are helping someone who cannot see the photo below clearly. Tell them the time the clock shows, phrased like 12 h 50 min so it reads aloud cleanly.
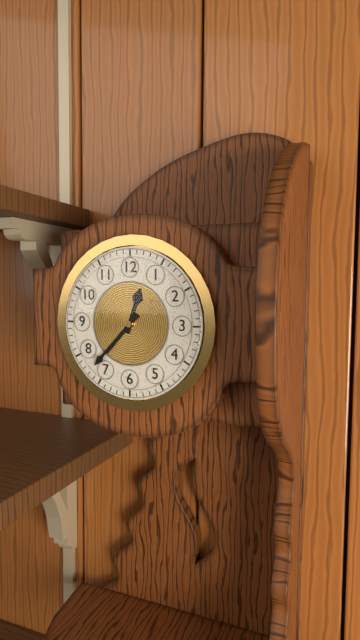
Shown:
12 h 37 min
